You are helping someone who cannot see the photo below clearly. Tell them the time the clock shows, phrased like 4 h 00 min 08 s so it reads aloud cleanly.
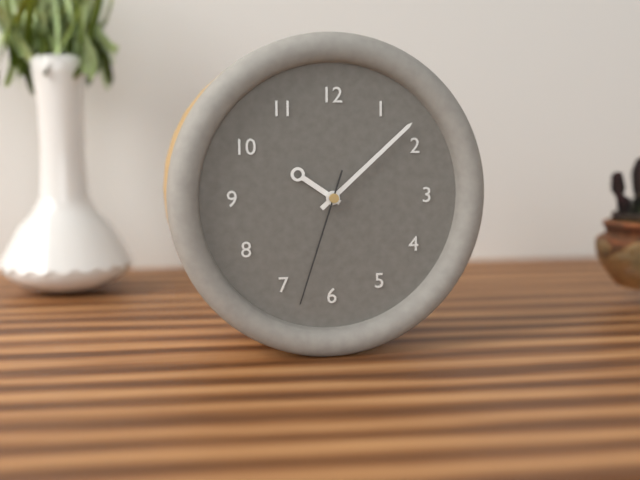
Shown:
10 h 08 min 33 s
